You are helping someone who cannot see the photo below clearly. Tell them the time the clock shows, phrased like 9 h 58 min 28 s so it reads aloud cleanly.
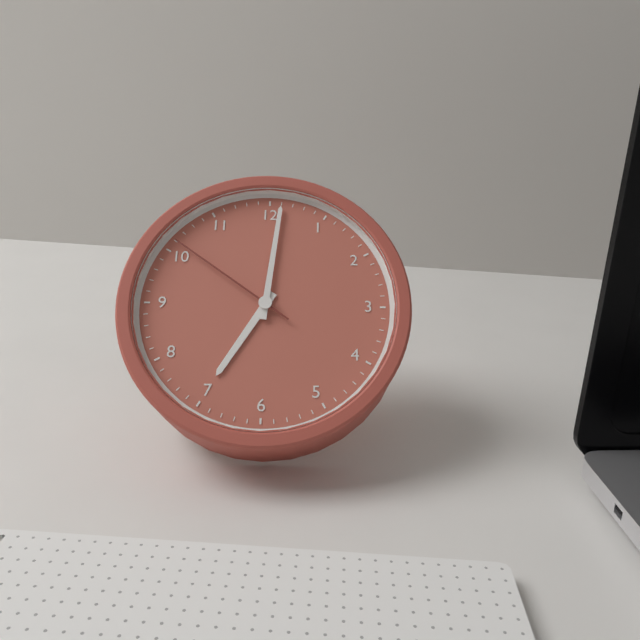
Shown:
7 h 01 min 51 s
